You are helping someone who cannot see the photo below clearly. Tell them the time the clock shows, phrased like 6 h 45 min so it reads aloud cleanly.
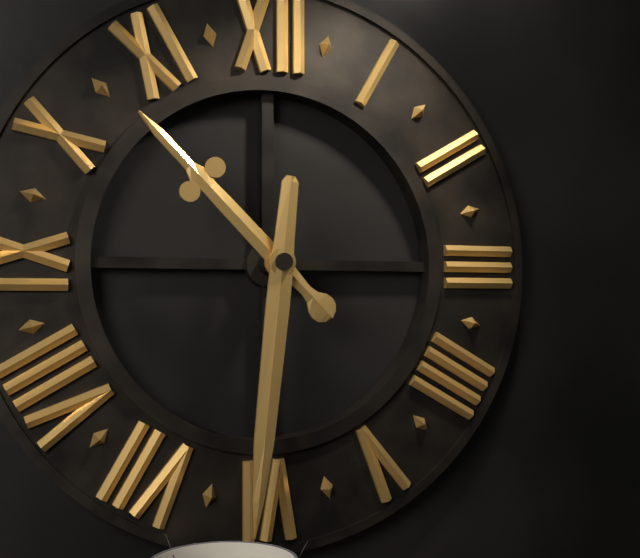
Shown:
10 h 31 min
